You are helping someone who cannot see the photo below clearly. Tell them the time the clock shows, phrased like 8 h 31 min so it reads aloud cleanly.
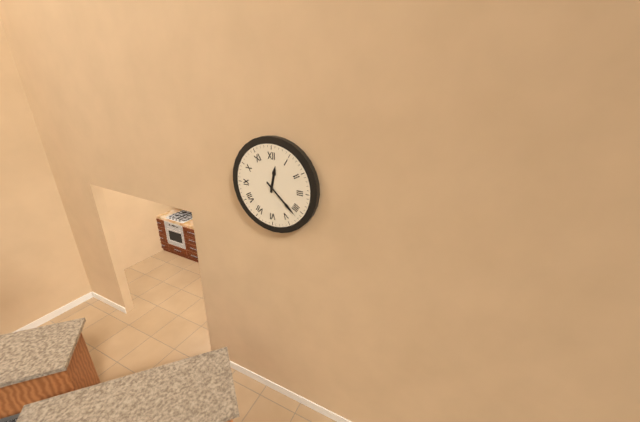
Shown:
12 h 22 min
